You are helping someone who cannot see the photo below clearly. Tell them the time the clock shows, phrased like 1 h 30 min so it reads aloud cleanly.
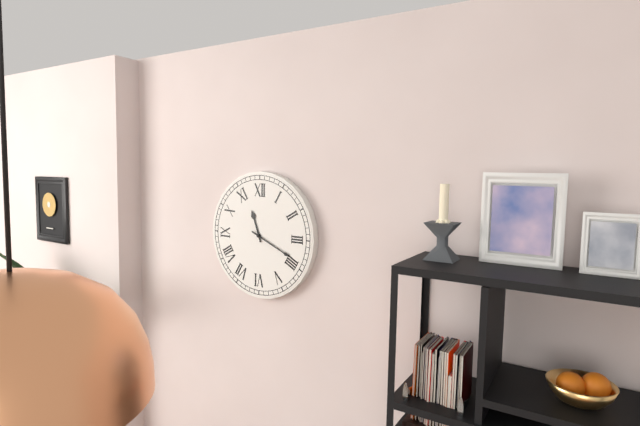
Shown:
11 h 19 min
